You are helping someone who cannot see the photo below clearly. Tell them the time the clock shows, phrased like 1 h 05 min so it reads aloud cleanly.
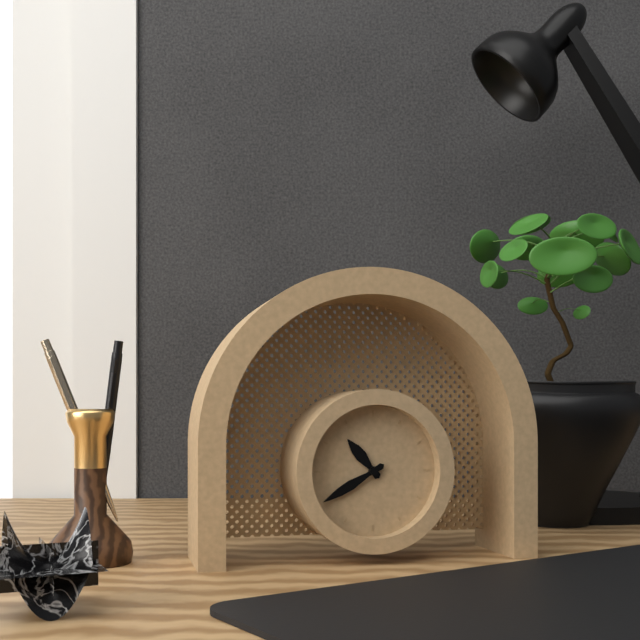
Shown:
10 h 40 min
